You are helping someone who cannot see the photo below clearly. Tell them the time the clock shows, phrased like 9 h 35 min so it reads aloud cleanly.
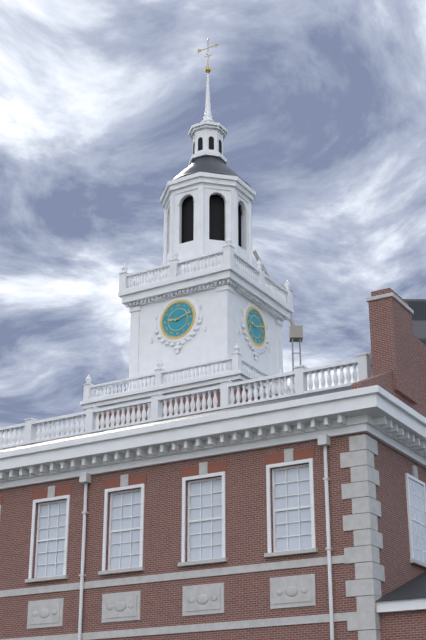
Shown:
9 h 12 min
